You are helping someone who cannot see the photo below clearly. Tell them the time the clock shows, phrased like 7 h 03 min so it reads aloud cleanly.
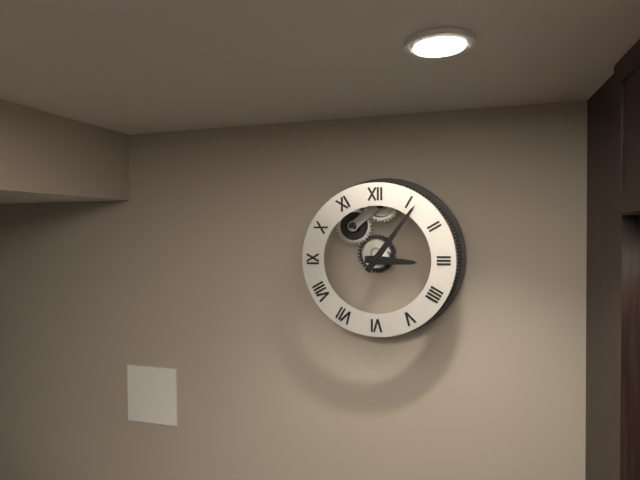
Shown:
3 h 06 min
